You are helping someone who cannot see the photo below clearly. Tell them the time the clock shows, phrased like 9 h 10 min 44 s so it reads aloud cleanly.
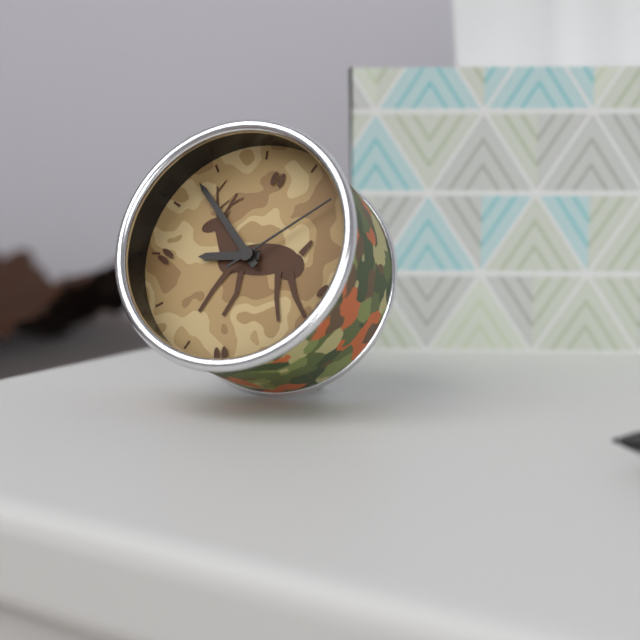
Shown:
8 h 53 min 09 s
